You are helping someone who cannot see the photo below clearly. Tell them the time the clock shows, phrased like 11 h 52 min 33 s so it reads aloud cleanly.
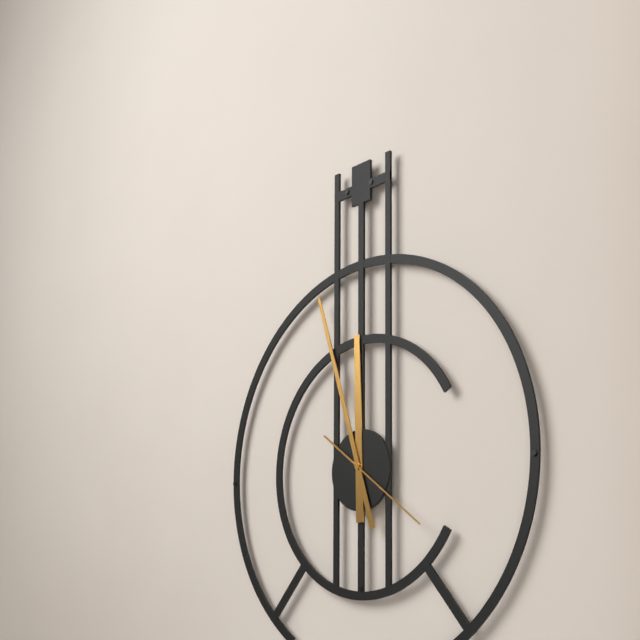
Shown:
11 h 57 min 21 s
